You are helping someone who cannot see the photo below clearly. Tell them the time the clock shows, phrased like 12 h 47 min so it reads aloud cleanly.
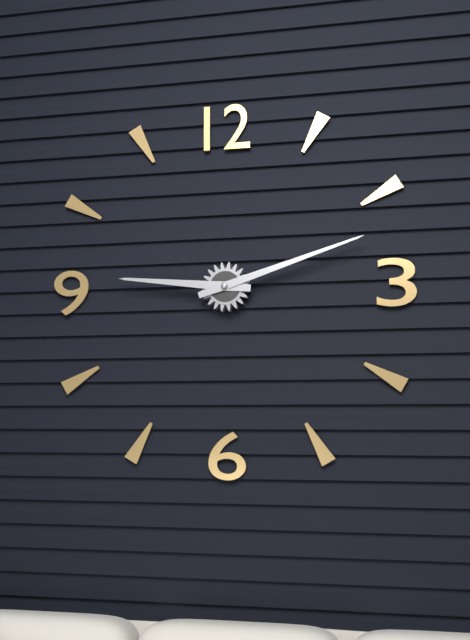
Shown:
9 h 12 min
